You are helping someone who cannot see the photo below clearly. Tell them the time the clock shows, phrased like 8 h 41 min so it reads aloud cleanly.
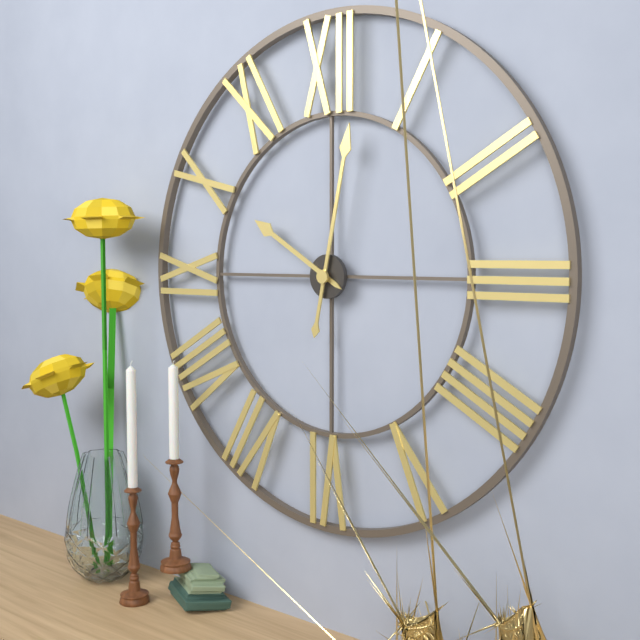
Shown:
10 h 02 min
